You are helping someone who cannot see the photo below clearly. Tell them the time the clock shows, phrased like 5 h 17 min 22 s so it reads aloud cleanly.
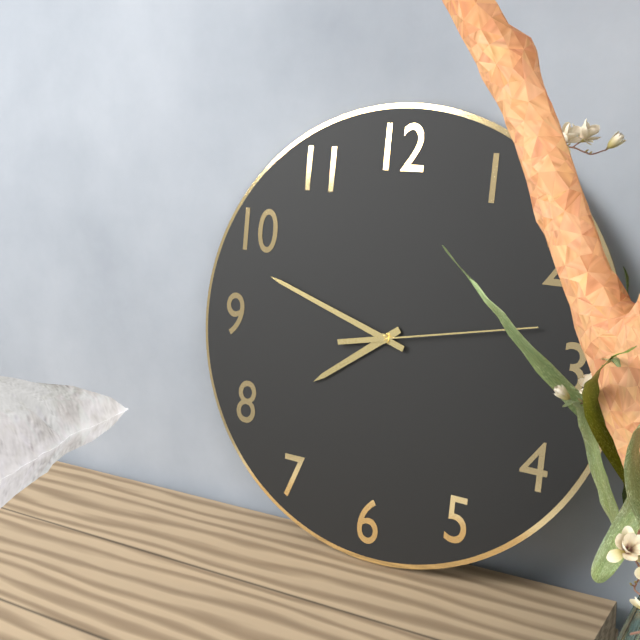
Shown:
7 h 48 min 13 s
